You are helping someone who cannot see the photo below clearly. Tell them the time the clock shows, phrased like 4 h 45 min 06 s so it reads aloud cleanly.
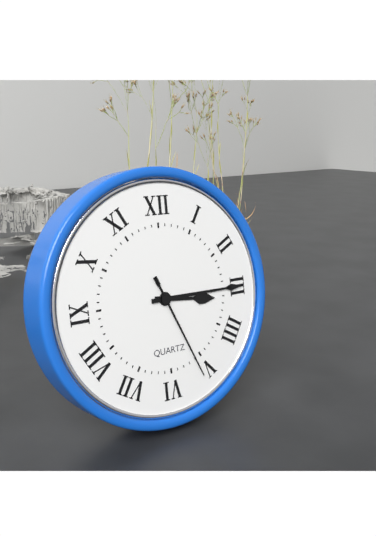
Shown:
3 h 15 min 26 s
